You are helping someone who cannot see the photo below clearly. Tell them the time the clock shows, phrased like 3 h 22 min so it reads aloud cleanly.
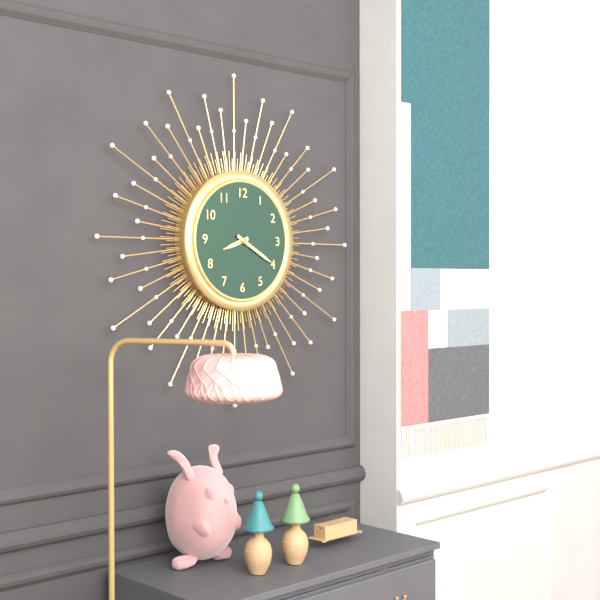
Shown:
8 h 20 min
